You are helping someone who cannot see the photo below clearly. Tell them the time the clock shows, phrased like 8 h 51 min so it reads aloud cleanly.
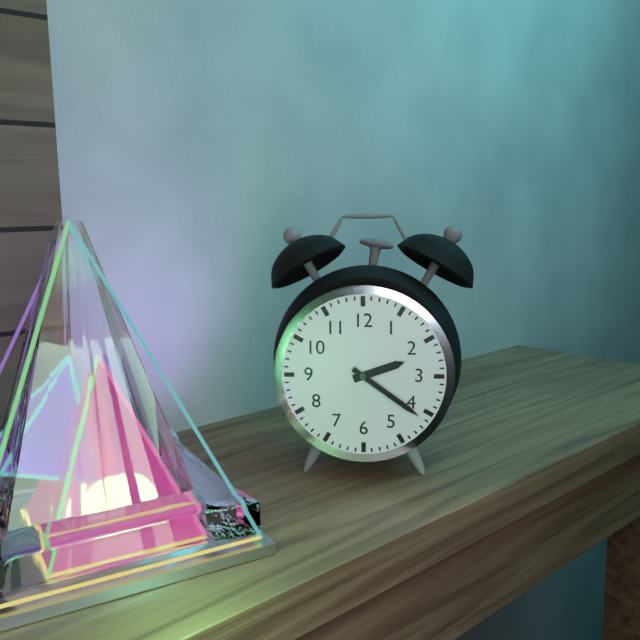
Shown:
2 h 21 min
